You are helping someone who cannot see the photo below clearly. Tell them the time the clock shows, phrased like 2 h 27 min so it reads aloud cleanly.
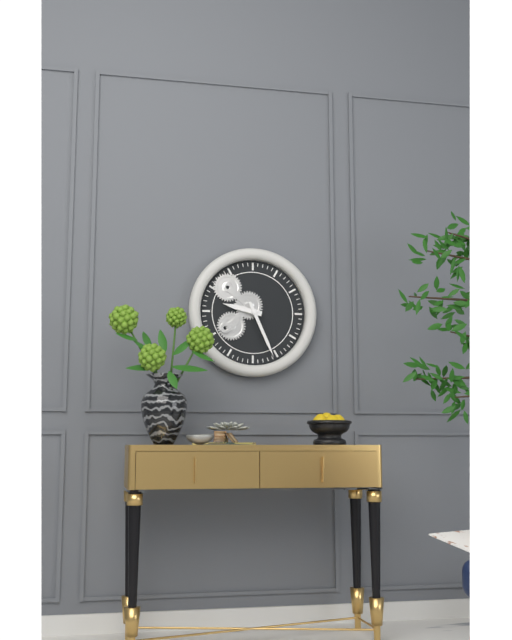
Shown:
9 h 26 min
